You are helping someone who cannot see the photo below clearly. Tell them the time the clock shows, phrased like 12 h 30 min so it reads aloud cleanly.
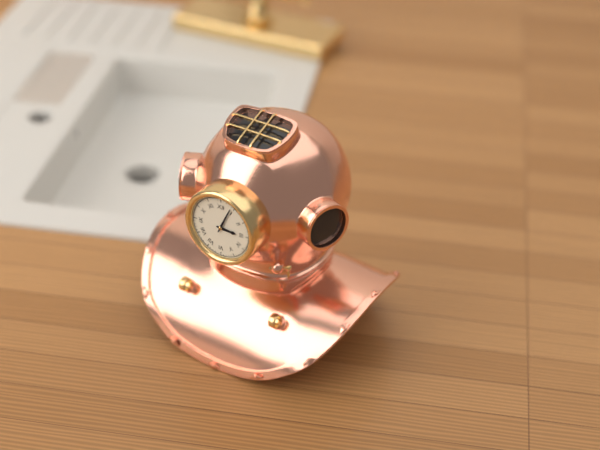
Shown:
3 h 04 min
